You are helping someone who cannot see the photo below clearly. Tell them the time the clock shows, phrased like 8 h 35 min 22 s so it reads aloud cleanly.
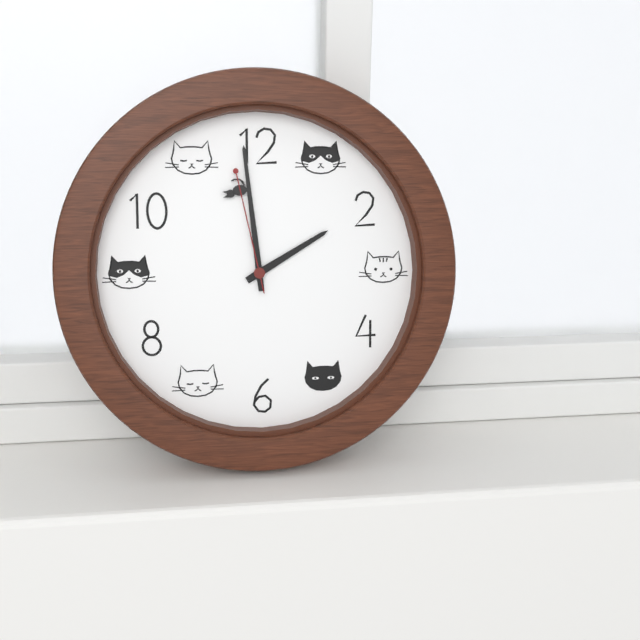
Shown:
1 h 59 min 58 s
